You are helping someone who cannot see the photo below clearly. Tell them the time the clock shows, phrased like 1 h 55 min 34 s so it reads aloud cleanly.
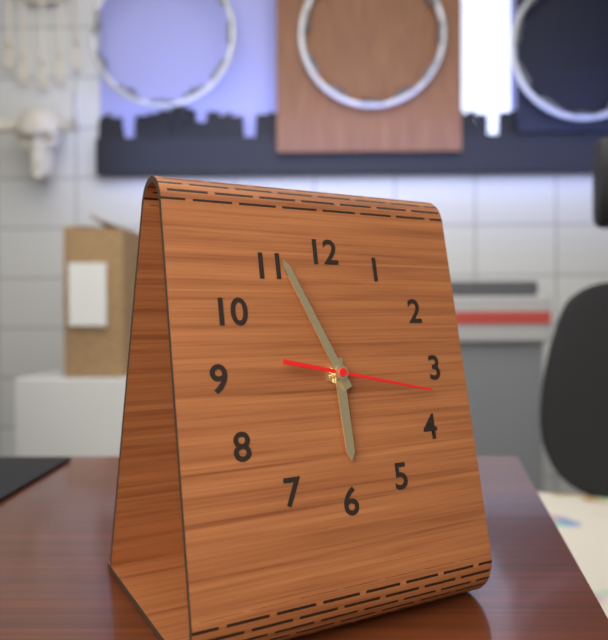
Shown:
5 h 56 min 17 s
